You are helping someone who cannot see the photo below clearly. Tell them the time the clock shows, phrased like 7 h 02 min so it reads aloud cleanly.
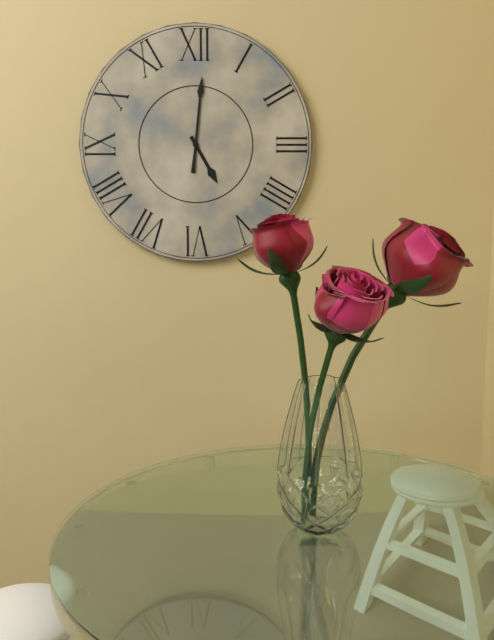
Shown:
5 h 01 min
